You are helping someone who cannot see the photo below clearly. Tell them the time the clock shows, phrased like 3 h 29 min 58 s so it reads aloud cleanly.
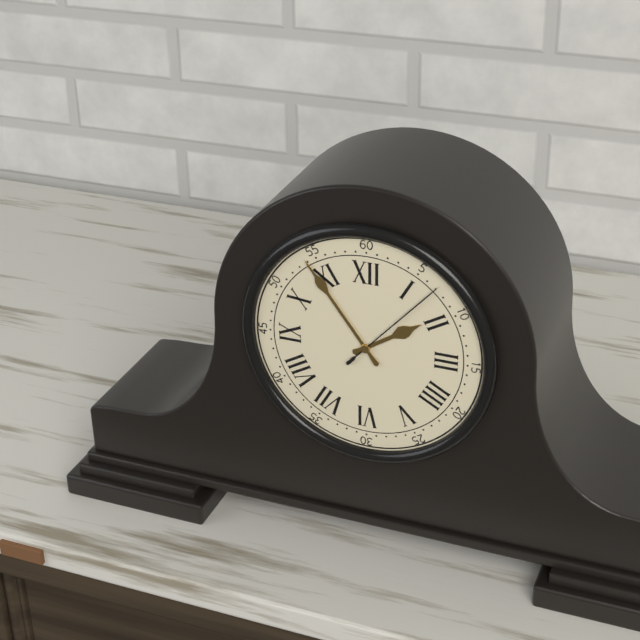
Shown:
1 h 54 min 07 s
